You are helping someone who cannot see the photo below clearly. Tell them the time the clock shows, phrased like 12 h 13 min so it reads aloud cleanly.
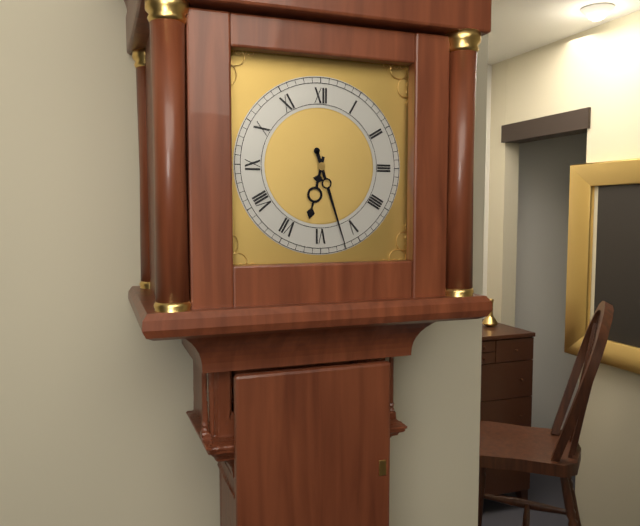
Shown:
6 h 27 min
